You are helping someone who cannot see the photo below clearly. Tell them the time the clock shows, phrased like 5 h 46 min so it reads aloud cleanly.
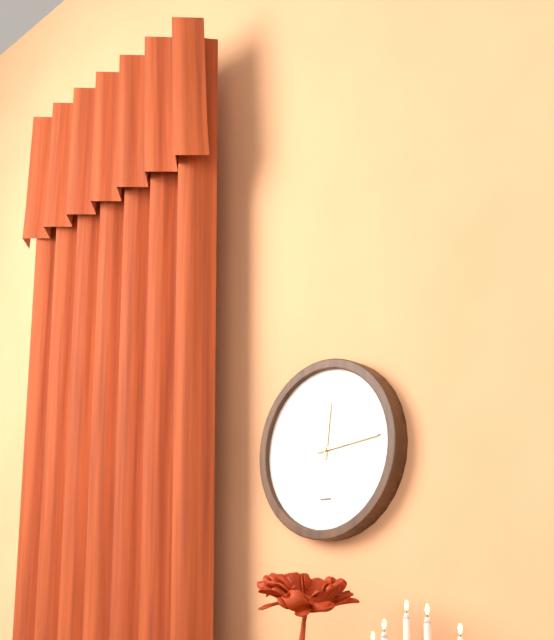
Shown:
12 h 14 min
